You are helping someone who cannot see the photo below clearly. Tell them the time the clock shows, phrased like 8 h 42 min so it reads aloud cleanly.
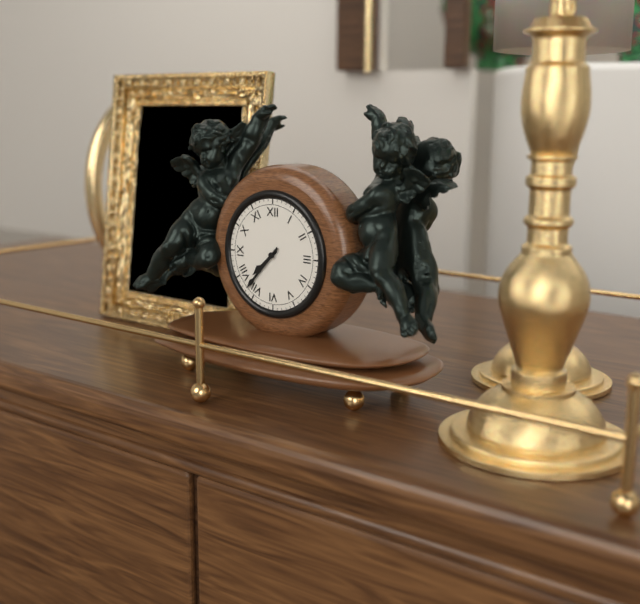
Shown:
7 h 37 min
